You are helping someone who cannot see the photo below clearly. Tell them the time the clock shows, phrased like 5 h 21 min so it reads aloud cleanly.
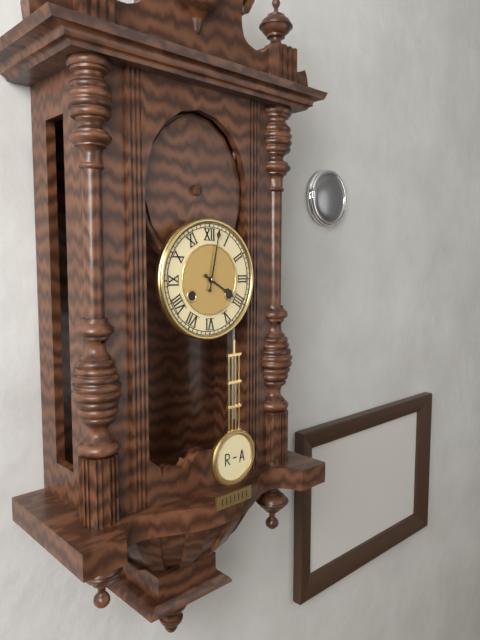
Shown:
4 h 02 min
